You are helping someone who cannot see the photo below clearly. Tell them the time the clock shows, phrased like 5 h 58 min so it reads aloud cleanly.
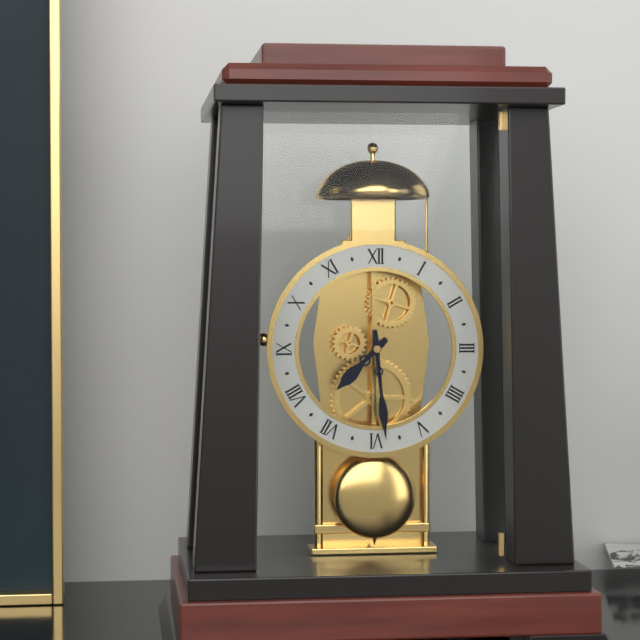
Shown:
7 h 29 min
